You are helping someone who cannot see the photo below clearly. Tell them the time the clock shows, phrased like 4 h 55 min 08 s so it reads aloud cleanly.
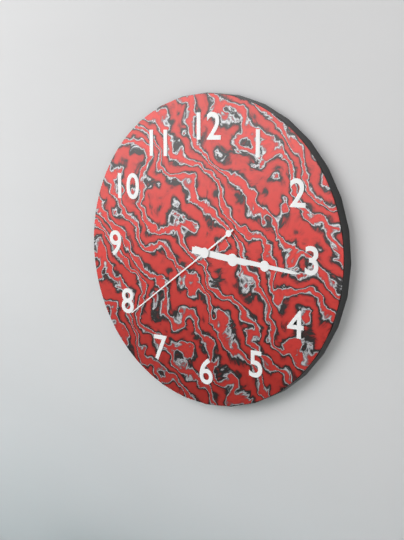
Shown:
3 h 16 min 39 s
